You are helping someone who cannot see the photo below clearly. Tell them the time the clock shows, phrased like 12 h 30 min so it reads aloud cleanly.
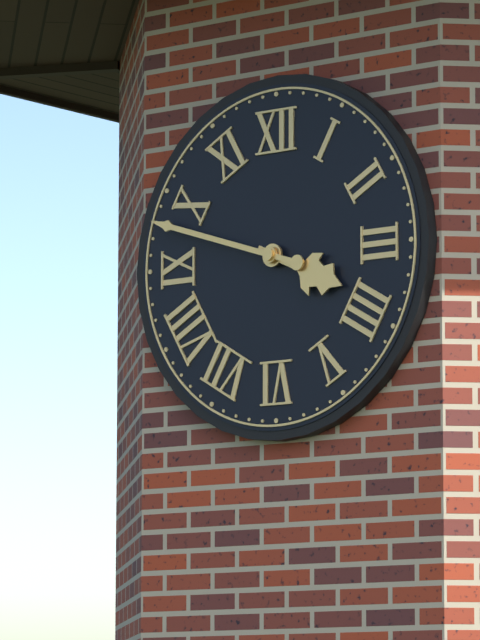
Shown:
3 h 48 min
